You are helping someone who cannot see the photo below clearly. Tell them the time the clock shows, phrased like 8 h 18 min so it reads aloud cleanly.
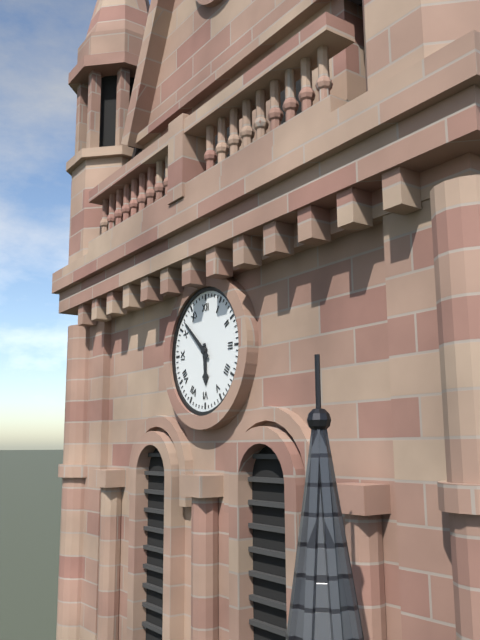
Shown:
5 h 52 min
